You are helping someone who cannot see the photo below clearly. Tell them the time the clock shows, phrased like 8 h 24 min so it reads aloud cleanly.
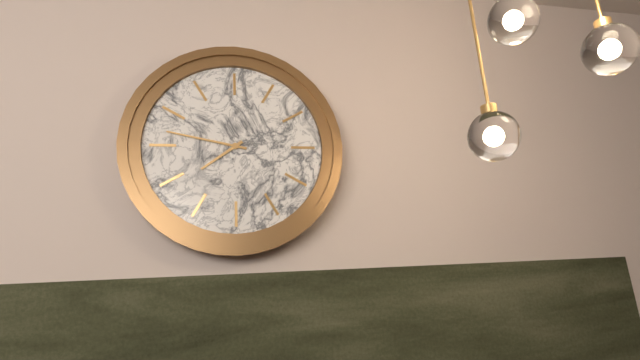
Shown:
7 h 47 min
